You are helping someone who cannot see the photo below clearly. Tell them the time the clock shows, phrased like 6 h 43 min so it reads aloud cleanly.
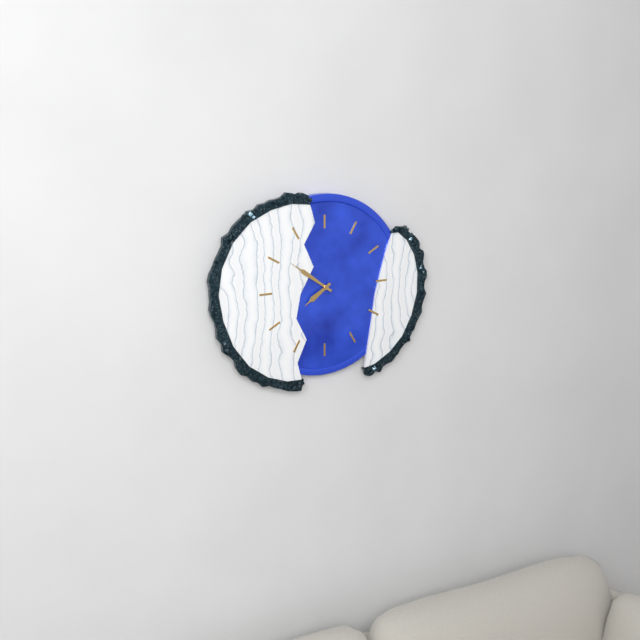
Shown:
7 h 51 min
